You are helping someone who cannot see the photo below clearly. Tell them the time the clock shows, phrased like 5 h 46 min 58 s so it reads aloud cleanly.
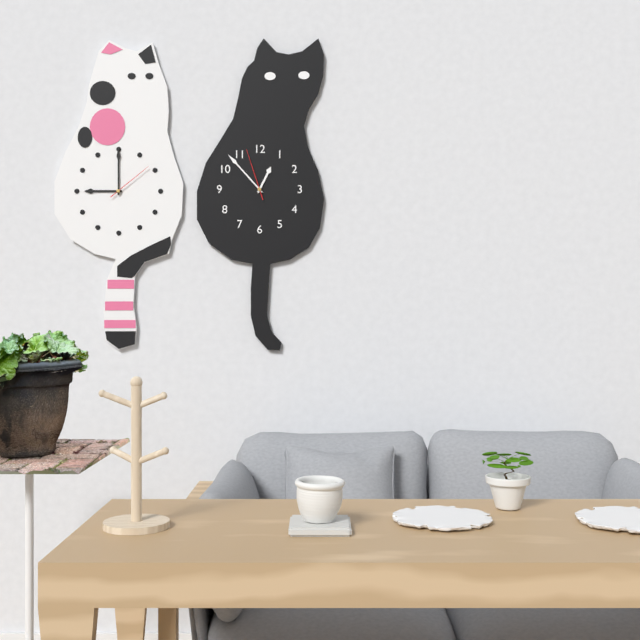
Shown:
12 h 53 min 57 s
